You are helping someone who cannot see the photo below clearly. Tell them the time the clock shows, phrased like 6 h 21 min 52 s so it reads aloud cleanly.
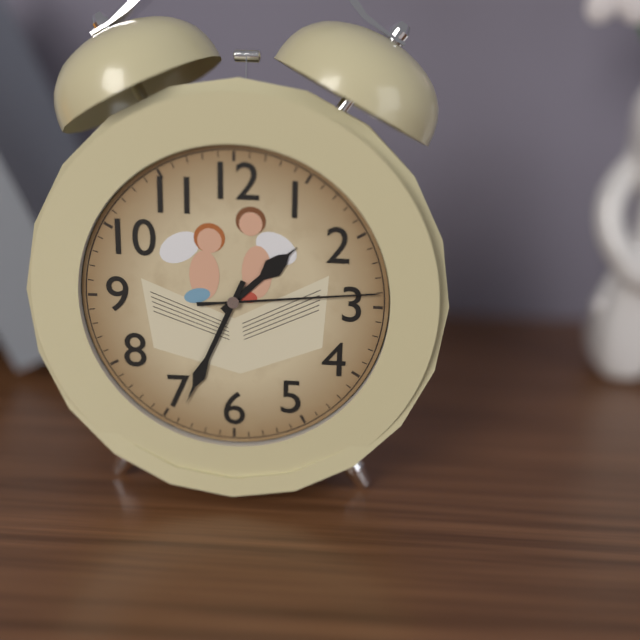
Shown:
1 h 34 min 14 s
